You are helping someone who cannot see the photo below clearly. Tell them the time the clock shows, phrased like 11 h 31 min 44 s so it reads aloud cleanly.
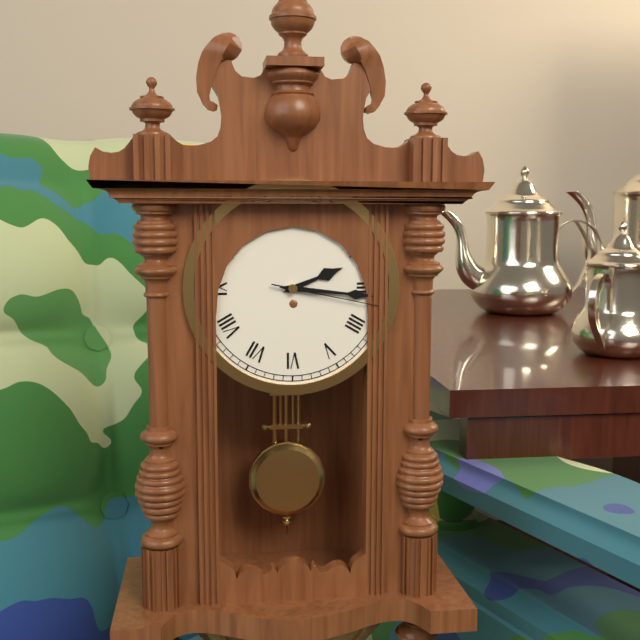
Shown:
2 h 16 min 17 s
